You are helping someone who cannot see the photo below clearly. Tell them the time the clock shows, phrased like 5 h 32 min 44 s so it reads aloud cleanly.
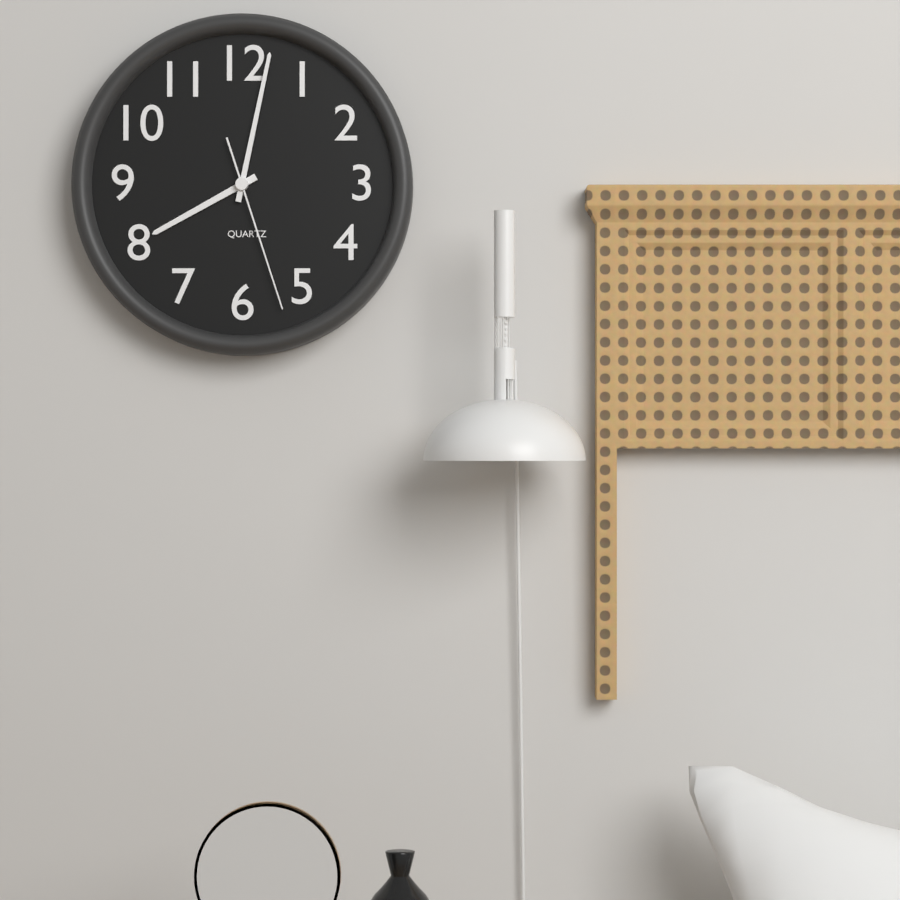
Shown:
8 h 02 min 27 s
